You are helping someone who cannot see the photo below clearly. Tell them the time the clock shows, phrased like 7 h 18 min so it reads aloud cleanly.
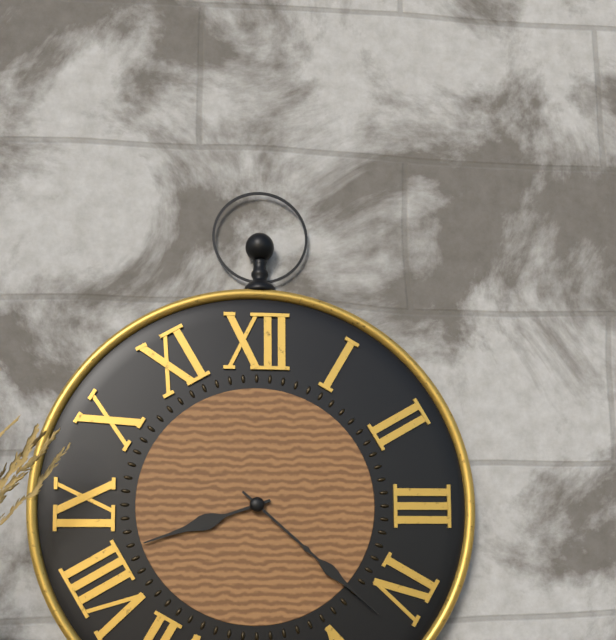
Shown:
8 h 22 min
